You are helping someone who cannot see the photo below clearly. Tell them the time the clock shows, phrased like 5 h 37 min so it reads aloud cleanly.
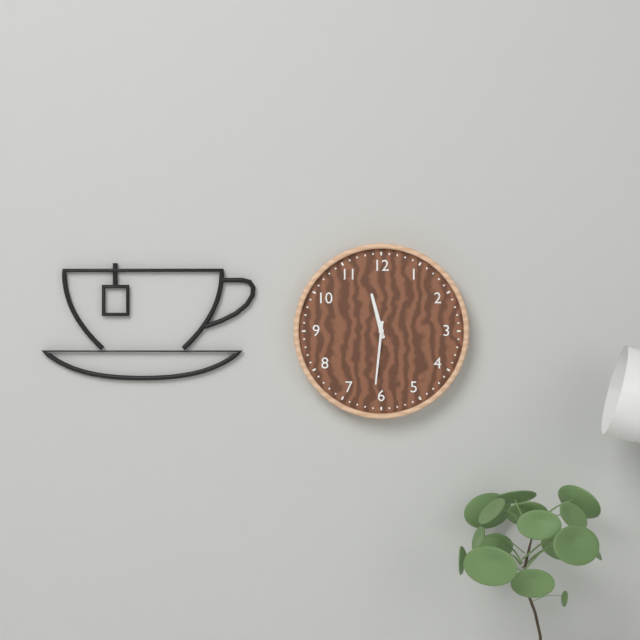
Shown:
11 h 31 min
